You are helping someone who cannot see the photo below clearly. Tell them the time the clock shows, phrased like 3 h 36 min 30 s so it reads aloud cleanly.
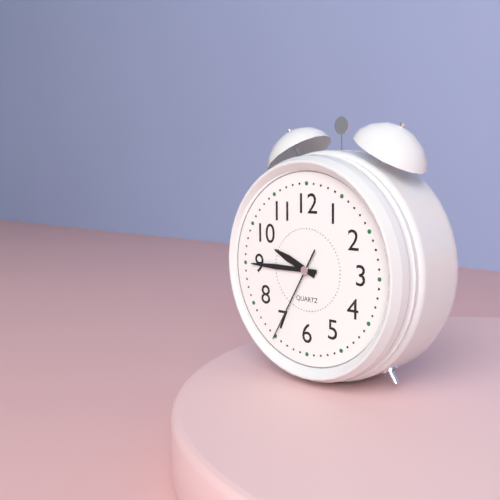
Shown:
9 h 45 min 35 s
